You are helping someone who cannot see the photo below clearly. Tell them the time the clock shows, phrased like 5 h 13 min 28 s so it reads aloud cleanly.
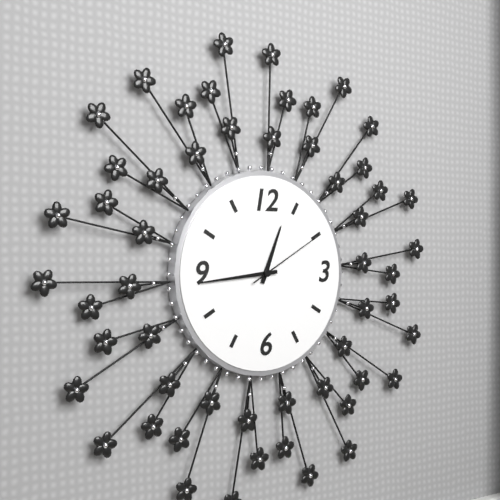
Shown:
12 h 44 min 10 s
